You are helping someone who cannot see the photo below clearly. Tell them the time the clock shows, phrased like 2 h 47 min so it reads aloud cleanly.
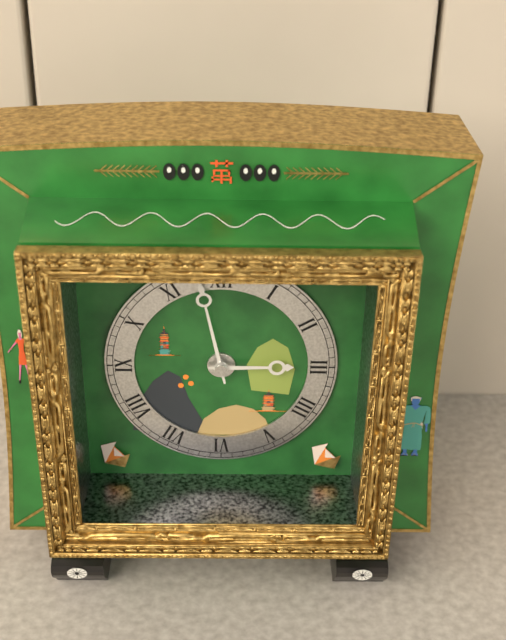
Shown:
2 h 58 min
